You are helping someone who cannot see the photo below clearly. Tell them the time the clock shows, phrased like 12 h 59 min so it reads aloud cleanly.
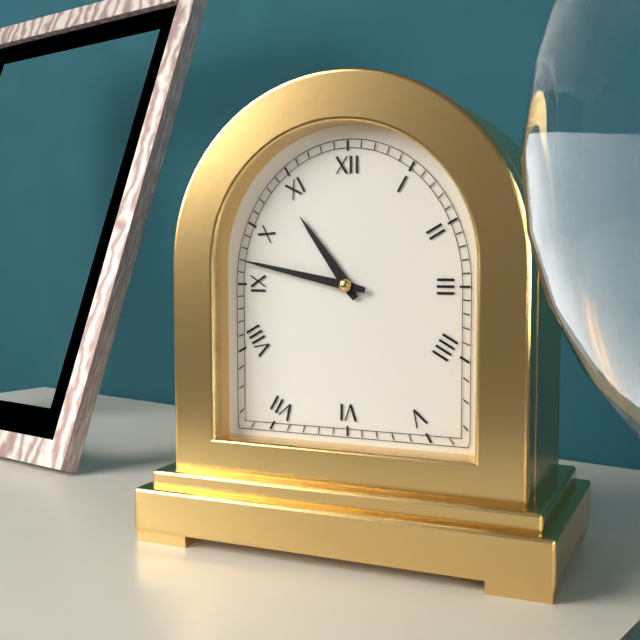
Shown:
10 h 47 min
